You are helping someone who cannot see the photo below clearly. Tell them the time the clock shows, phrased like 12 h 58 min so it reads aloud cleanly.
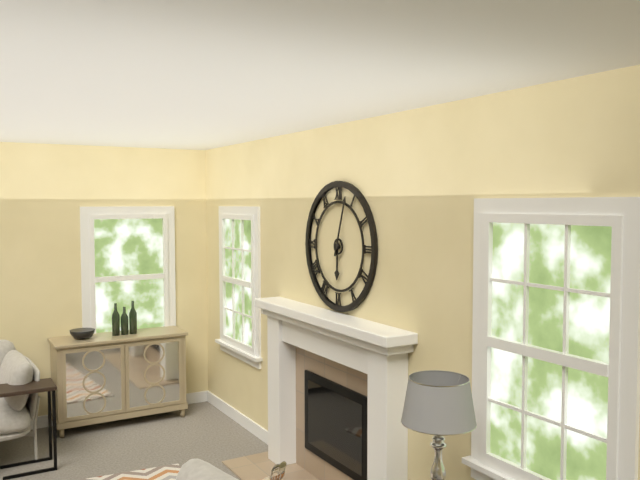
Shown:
6 h 03 min
